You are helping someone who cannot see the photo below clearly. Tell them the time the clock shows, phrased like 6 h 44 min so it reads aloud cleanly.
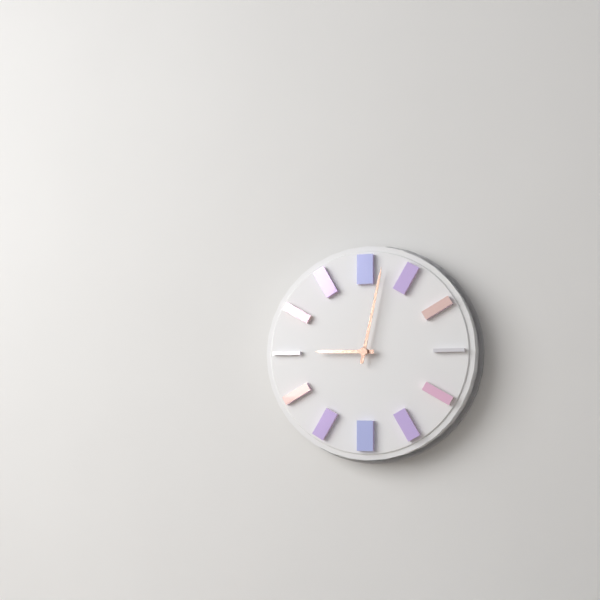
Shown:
9 h 02 min
